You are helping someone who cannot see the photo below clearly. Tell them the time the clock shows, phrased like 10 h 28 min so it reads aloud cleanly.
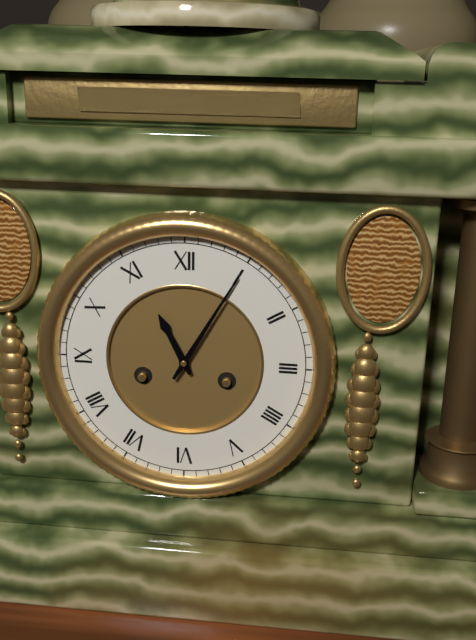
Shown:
11 h 05 min
